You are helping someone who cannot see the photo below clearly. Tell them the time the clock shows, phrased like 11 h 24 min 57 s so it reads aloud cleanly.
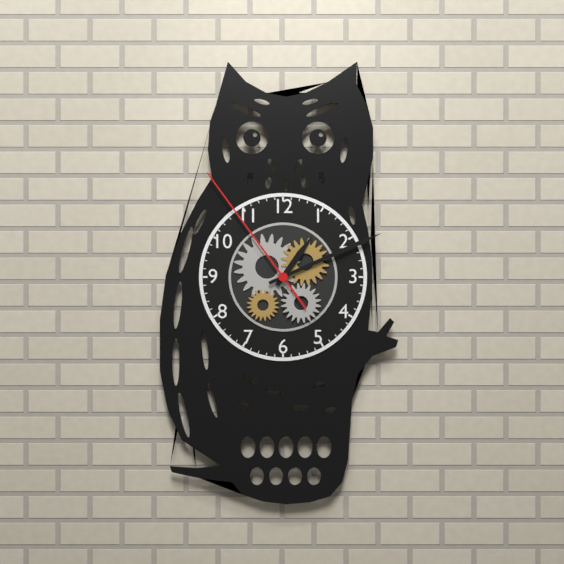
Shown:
1 h 11 min 54 s
